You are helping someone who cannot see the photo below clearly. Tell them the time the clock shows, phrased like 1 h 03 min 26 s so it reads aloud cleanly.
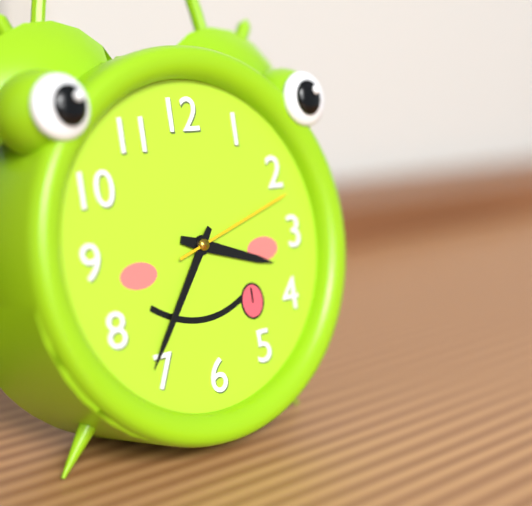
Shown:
3 h 36 min 12 s
